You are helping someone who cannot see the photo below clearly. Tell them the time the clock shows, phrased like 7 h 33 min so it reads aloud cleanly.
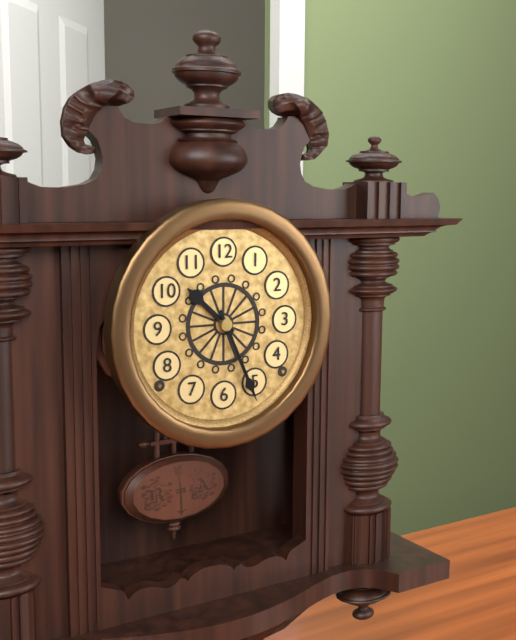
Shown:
10 h 26 min
